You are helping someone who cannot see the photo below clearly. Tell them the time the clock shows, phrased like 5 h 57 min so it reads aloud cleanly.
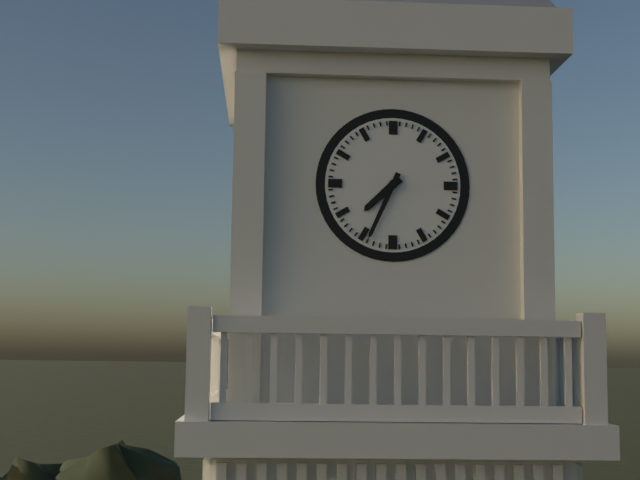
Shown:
7 h 34 min
